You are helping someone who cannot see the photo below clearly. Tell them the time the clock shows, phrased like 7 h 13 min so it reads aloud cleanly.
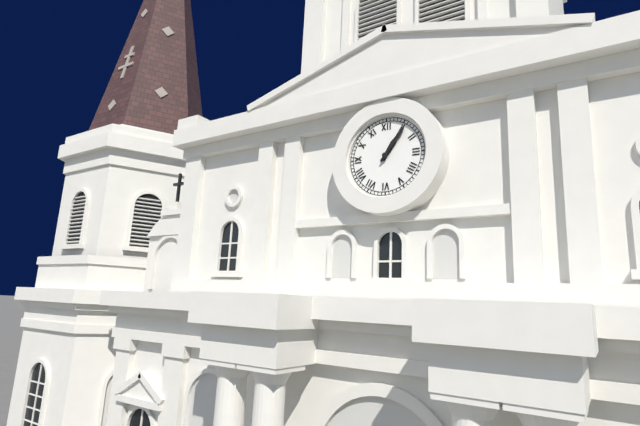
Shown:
1 h 06 min
